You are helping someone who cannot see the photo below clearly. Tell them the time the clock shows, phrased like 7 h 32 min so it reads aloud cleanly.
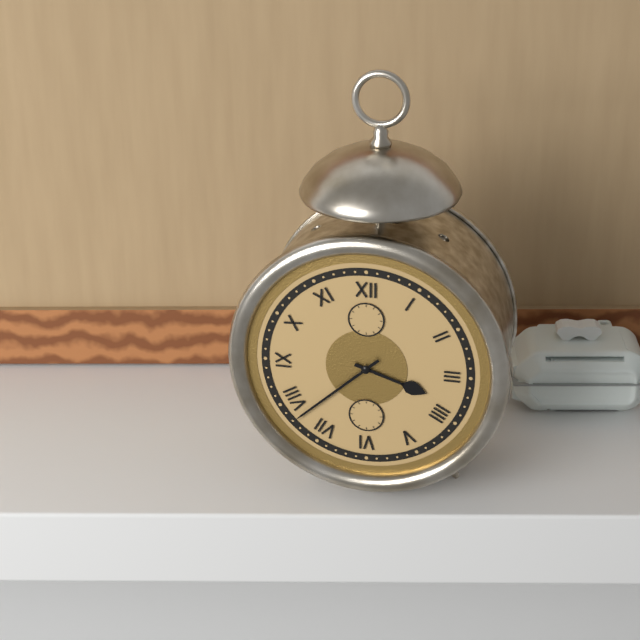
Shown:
3 h 38 min
